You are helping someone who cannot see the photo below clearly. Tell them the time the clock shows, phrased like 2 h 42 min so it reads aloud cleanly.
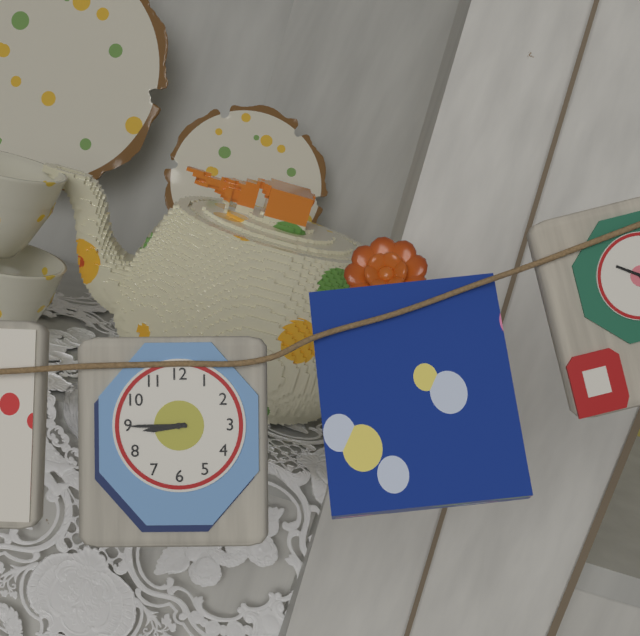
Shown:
8 h 45 min
